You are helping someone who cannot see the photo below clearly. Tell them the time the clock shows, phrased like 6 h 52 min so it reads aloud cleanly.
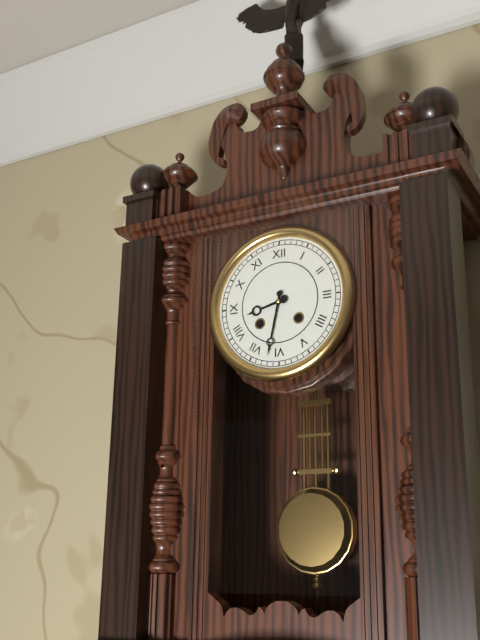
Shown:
8 h 32 min
